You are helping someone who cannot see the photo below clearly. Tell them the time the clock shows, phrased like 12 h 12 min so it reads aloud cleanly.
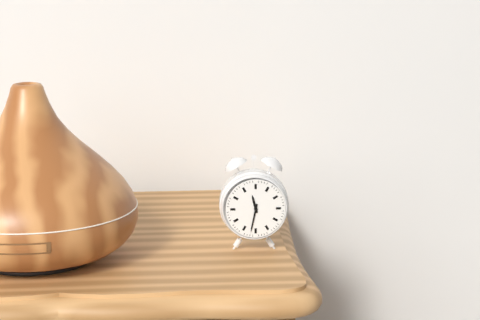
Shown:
11 h 32 min
